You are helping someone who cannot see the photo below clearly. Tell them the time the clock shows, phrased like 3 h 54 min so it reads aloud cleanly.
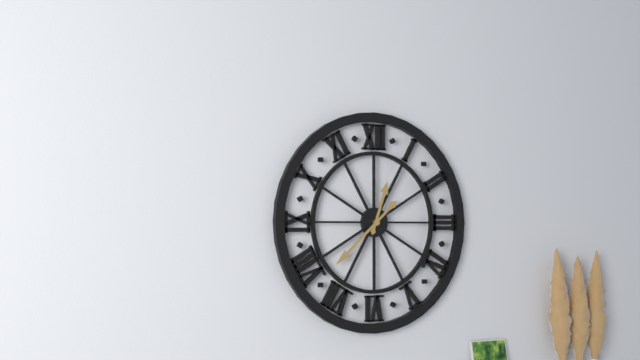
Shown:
12 h 38 min
